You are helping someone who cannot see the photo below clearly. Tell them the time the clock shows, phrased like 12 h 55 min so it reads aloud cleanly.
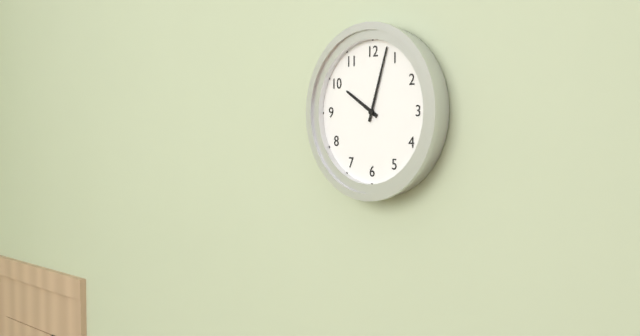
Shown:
10 h 03 min
